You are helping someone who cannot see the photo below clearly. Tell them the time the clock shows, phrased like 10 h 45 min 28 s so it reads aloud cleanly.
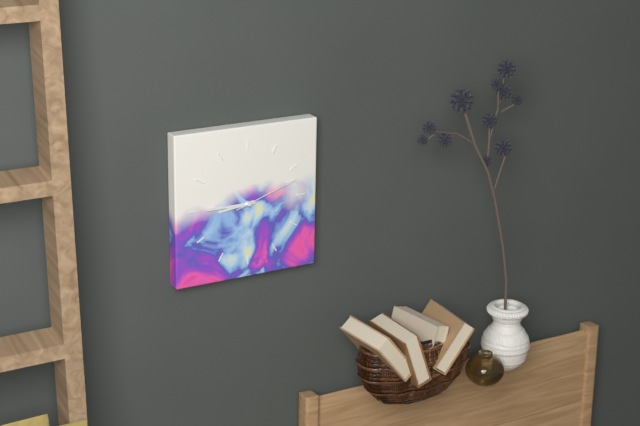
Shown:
8 h 45 min 12 s
